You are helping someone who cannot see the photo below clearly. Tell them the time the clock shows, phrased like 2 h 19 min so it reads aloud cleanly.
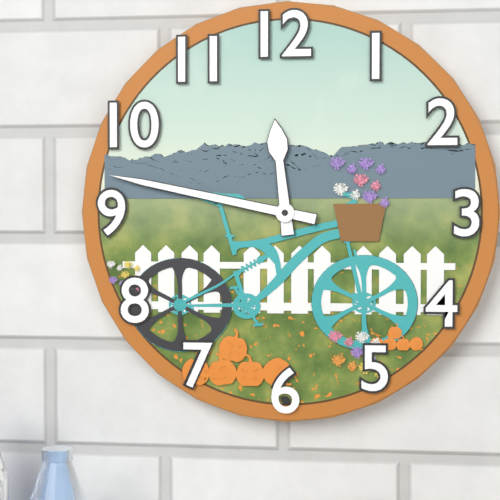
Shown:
11 h 47 min
